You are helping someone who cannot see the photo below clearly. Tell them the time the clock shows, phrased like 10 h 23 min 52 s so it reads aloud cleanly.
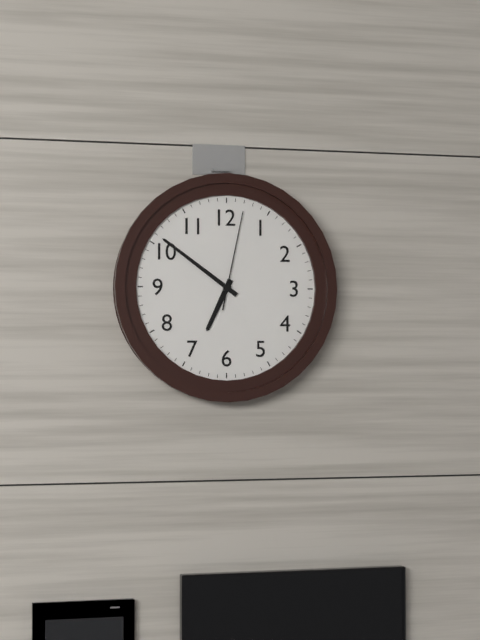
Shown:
6 h 51 min 02 s
